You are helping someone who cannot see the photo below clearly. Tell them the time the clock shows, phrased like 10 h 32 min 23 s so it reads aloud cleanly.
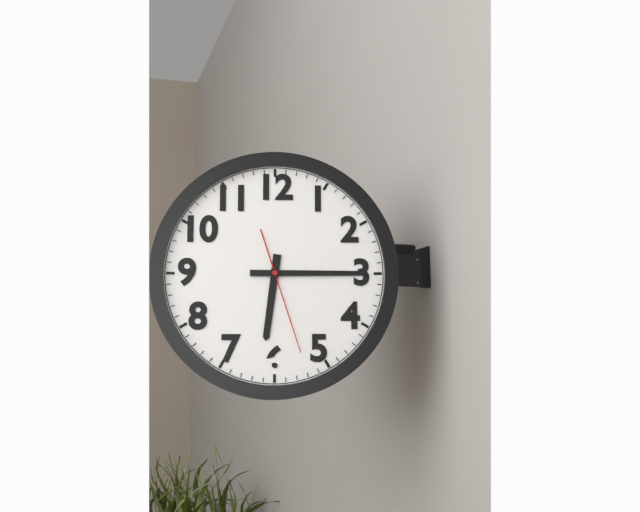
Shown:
6 h 15 min 27 s
